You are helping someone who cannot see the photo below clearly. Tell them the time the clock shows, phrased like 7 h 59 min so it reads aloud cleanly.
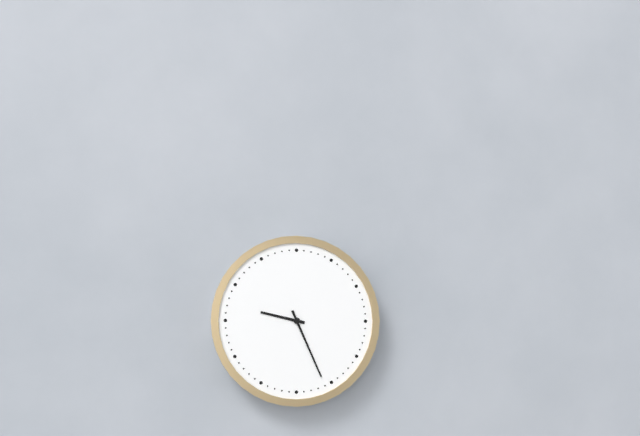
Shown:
9 h 26 min
